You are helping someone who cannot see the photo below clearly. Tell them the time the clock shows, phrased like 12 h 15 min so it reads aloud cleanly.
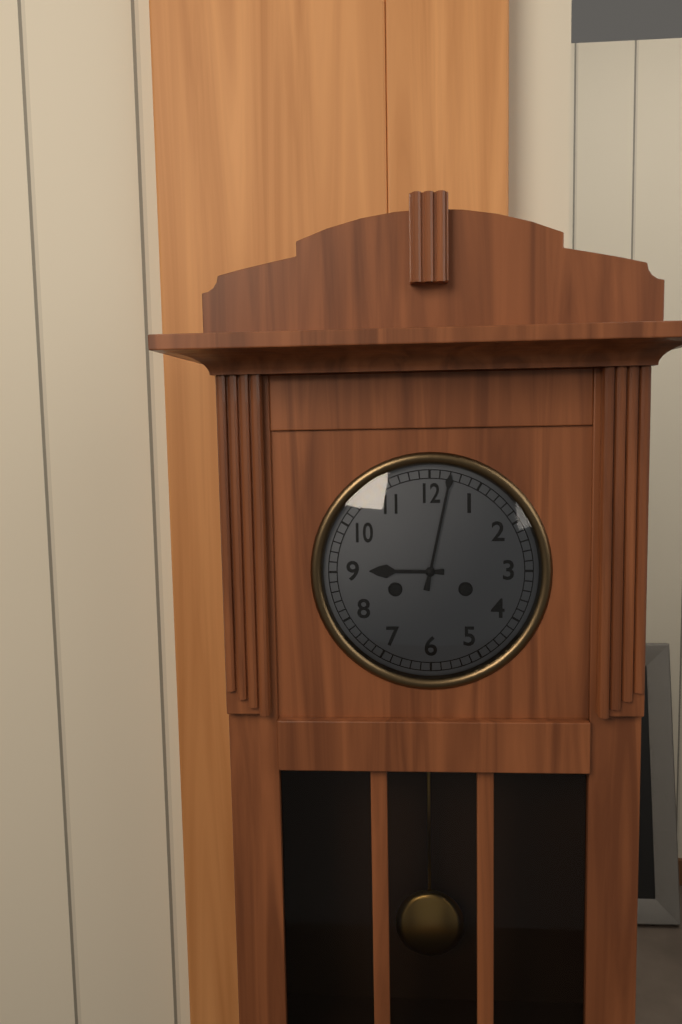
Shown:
9 h 02 min
